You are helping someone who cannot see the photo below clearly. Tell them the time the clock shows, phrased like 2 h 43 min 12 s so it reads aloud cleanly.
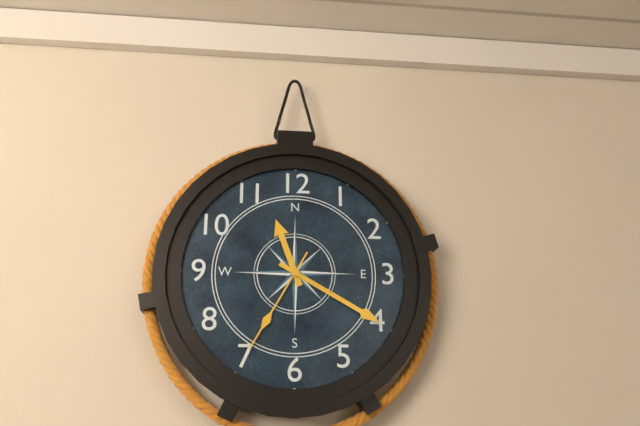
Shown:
11 h 20 min 35 s
